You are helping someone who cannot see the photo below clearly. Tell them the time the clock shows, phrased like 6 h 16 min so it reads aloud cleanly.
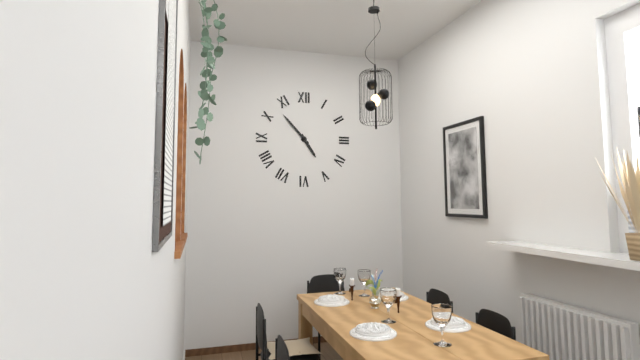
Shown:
4 h 53 min
